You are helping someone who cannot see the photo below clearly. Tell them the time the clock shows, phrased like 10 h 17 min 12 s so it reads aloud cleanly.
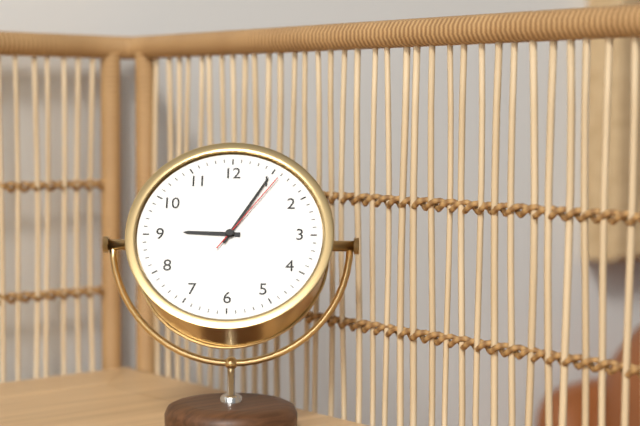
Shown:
9 h 05 min 06 s
